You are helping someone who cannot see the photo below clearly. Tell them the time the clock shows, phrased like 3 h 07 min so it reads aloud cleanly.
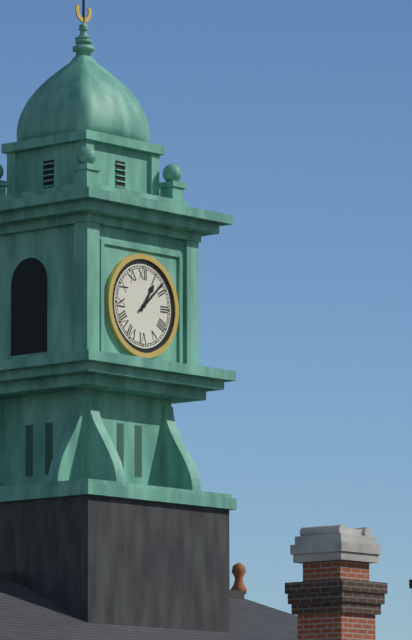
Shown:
1 h 08 min
